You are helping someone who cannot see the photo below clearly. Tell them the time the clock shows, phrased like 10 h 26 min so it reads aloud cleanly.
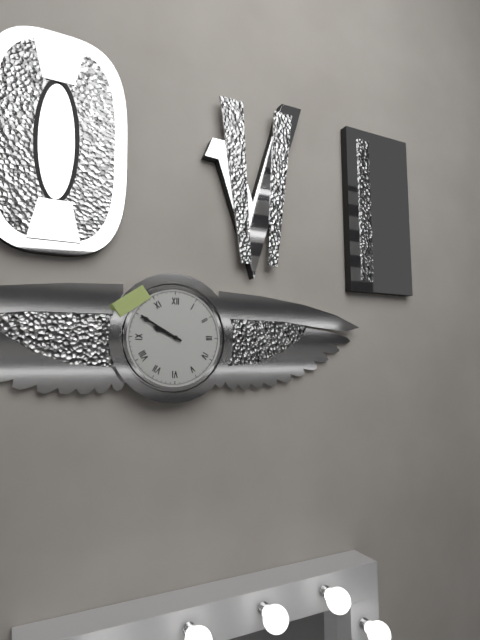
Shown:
9 h 50 min
